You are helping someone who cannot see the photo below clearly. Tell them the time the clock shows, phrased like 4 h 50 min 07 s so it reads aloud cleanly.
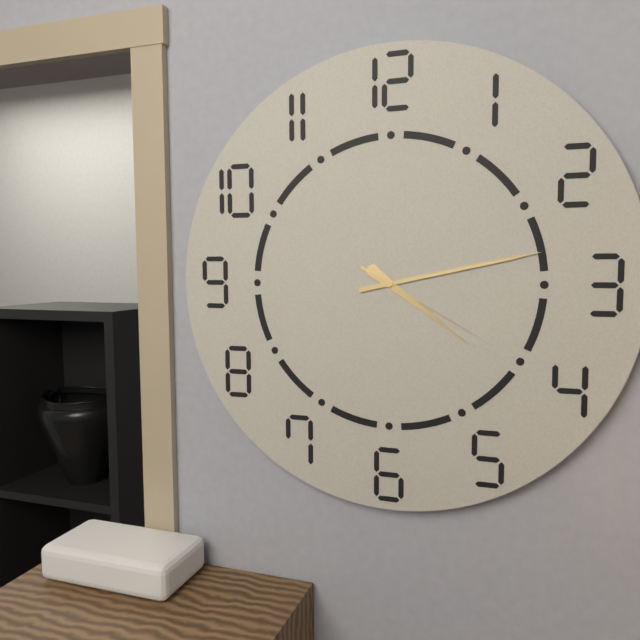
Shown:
4 h 13 min 20 s
